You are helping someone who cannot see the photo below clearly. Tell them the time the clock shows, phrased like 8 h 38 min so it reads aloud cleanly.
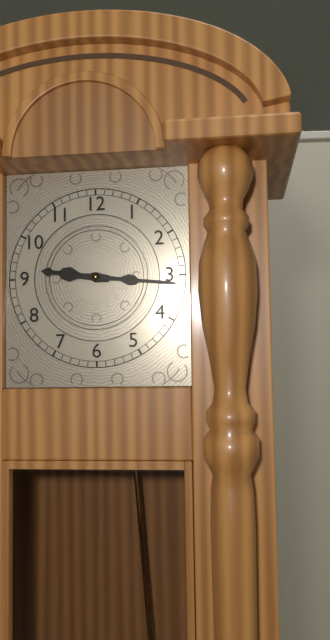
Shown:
9 h 16 min
